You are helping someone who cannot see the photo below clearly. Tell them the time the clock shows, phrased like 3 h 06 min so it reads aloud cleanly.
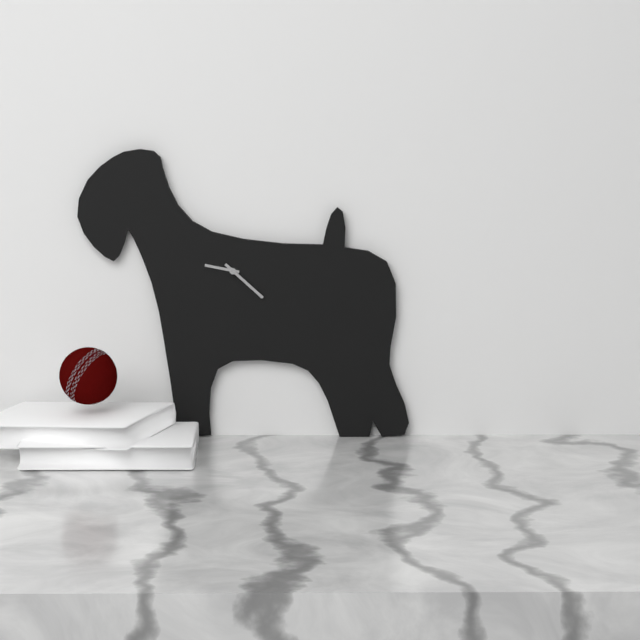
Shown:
9 h 22 min
